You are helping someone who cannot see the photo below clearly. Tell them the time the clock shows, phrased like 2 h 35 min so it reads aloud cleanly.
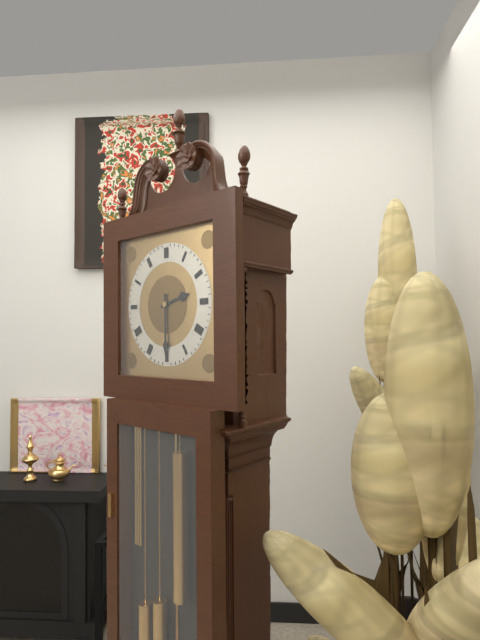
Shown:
2 h 30 min
